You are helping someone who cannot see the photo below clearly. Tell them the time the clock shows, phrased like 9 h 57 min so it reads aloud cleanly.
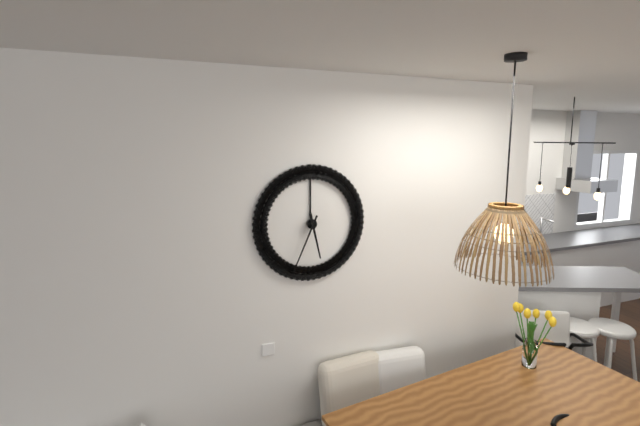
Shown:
5 h 34 min
